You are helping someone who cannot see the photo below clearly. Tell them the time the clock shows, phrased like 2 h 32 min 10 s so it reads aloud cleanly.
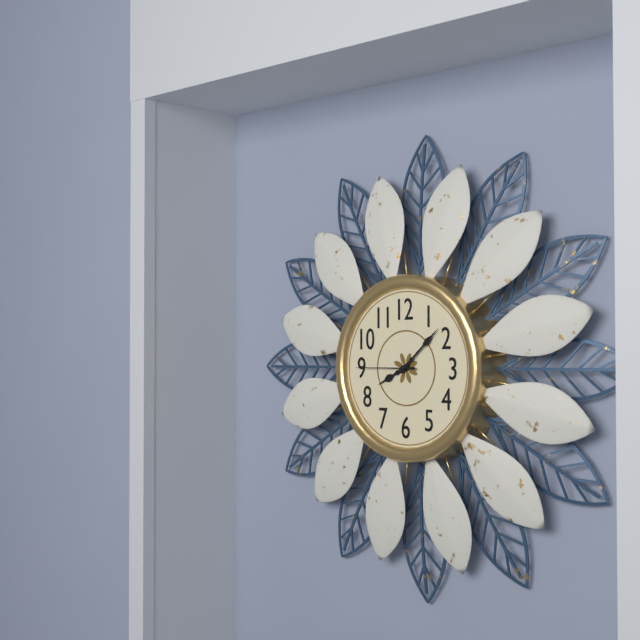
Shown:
8 h 08 min 45 s
